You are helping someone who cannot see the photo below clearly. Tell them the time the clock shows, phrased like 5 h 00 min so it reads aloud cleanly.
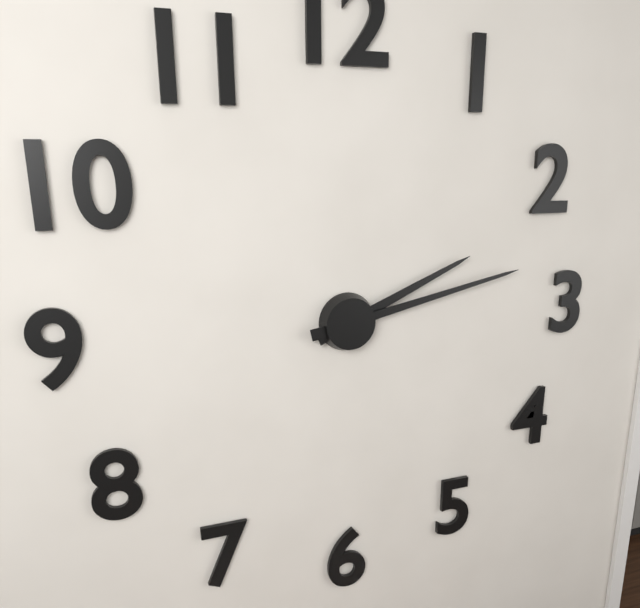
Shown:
2 h 13 min
